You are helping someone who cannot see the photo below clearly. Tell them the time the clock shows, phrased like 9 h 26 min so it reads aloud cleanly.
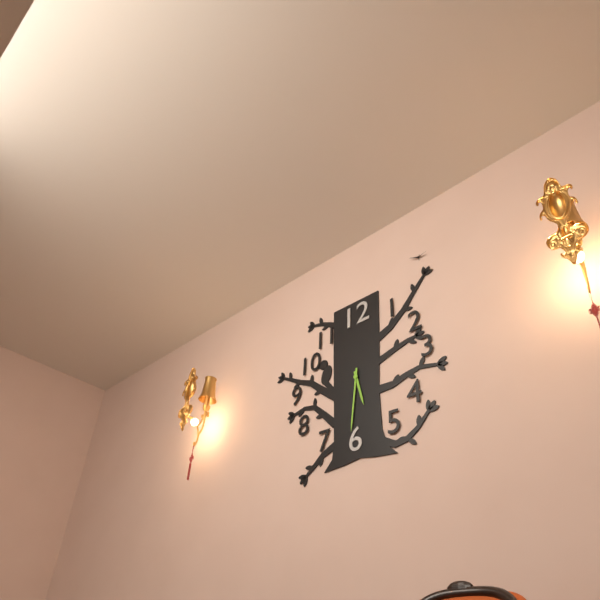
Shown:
5 h 31 min
